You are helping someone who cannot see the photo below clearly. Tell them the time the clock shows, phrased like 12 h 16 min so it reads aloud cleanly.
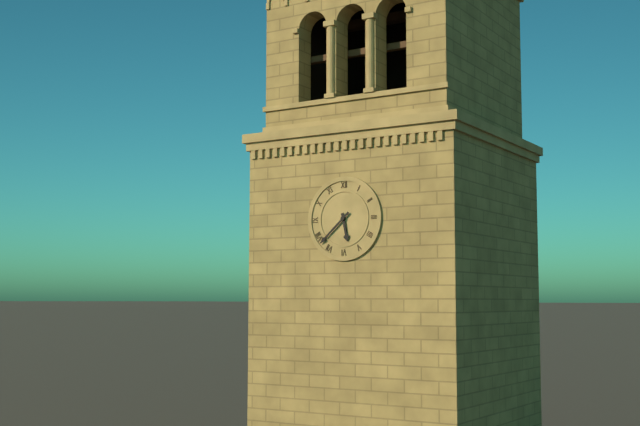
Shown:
5 h 38 min
